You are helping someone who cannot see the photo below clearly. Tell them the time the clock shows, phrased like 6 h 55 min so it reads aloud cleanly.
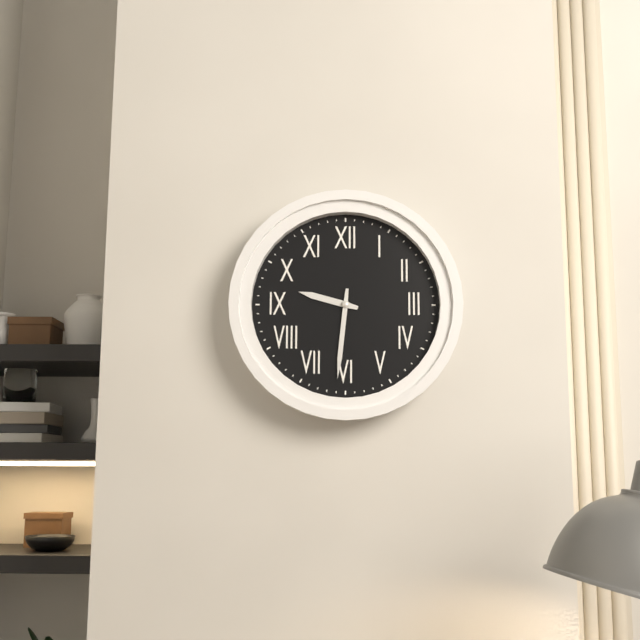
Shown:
9 h 31 min
